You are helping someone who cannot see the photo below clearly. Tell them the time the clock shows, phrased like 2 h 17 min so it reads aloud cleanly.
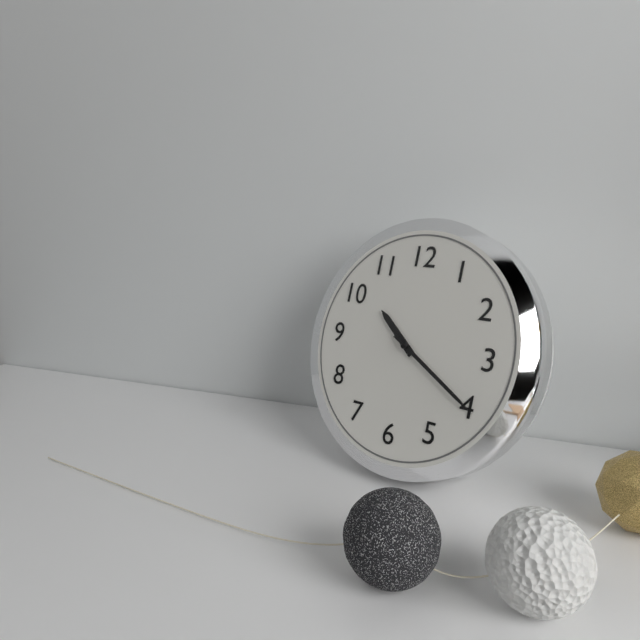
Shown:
10 h 20 min
